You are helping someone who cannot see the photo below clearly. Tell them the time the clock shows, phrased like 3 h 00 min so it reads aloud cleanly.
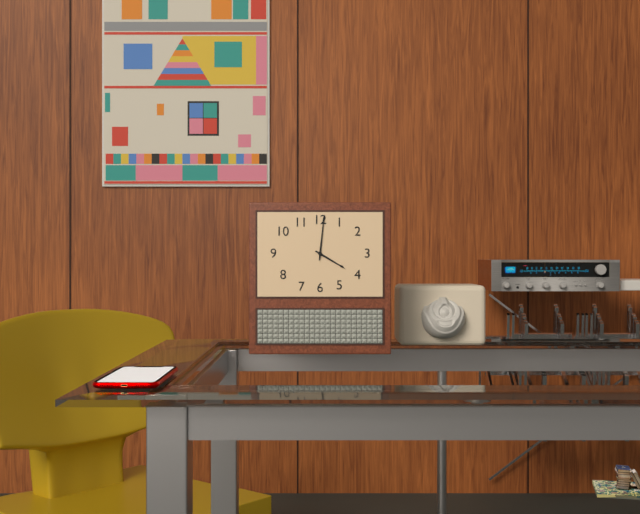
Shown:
4 h 01 min
